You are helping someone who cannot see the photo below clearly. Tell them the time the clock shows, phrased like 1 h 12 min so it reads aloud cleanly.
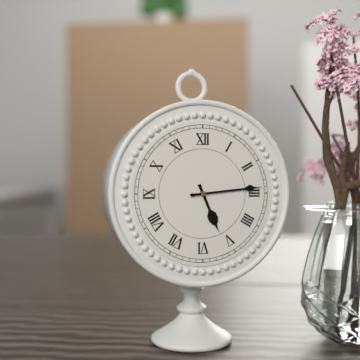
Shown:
5 h 14 min
